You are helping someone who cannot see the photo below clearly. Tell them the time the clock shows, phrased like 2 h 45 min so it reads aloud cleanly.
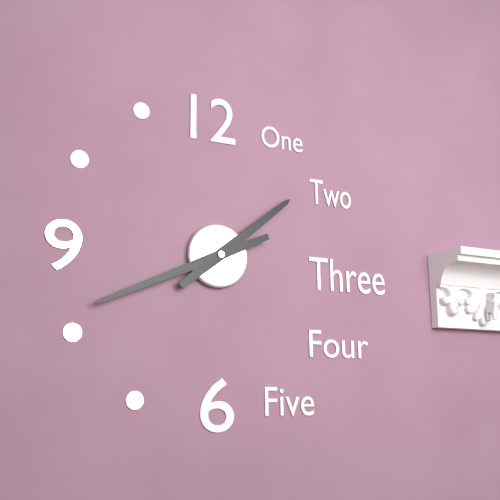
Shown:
1 h 41 min
